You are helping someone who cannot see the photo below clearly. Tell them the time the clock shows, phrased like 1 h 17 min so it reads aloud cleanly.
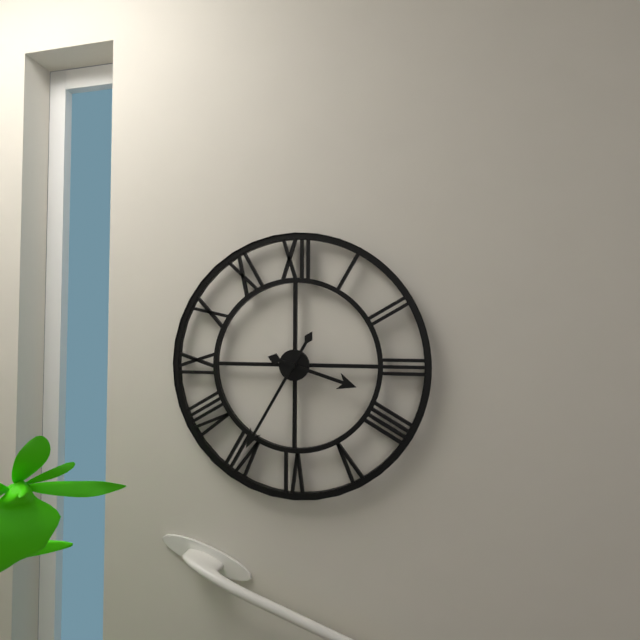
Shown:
3 h 35 min
